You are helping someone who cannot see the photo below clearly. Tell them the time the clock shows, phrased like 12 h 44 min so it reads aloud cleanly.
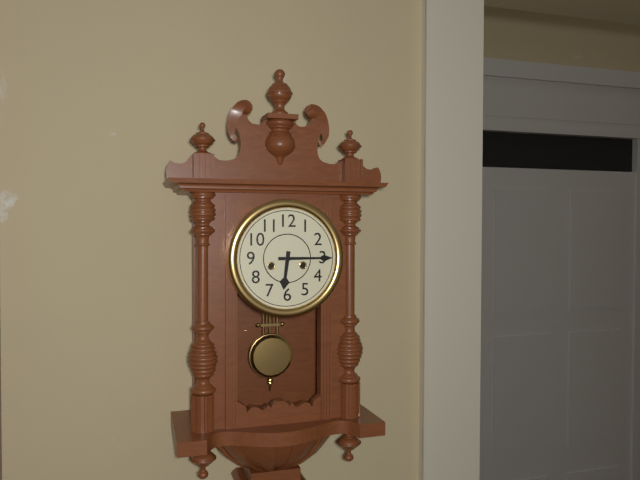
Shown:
6 h 15 min
